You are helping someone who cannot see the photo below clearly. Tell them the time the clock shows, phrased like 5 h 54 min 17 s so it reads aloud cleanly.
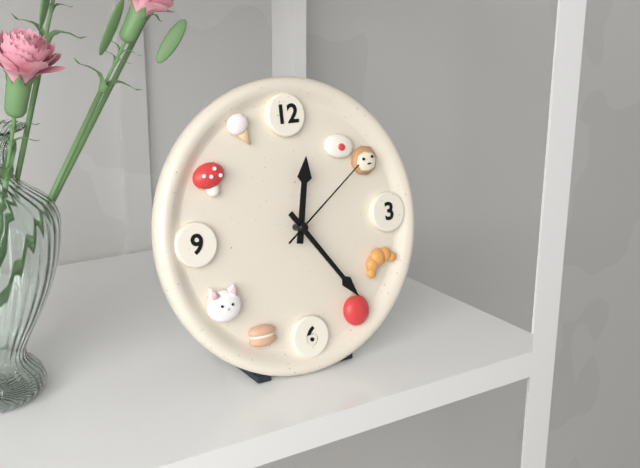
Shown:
12 h 24 min 09 s
